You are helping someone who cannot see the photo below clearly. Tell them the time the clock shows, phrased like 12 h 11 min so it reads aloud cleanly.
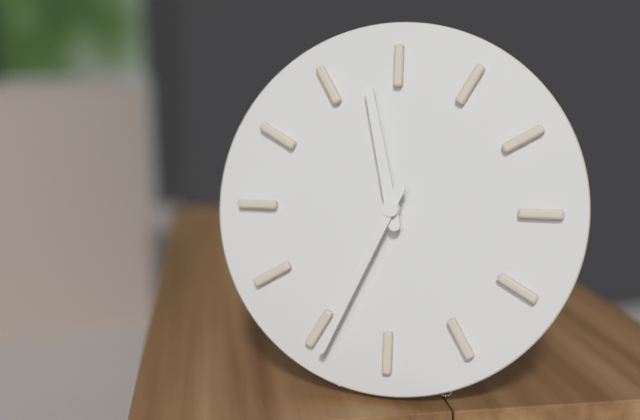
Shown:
11 h 34 min
